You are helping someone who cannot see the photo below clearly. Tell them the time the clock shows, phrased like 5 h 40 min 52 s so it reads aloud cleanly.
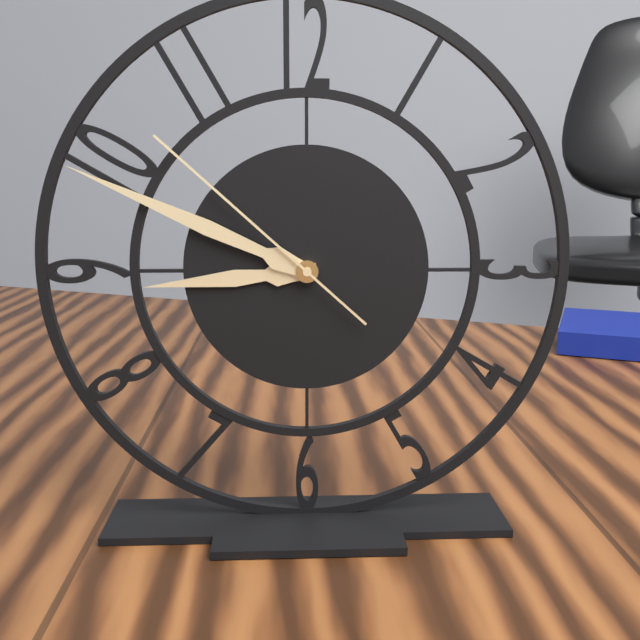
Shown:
8 h 49 min 52 s
